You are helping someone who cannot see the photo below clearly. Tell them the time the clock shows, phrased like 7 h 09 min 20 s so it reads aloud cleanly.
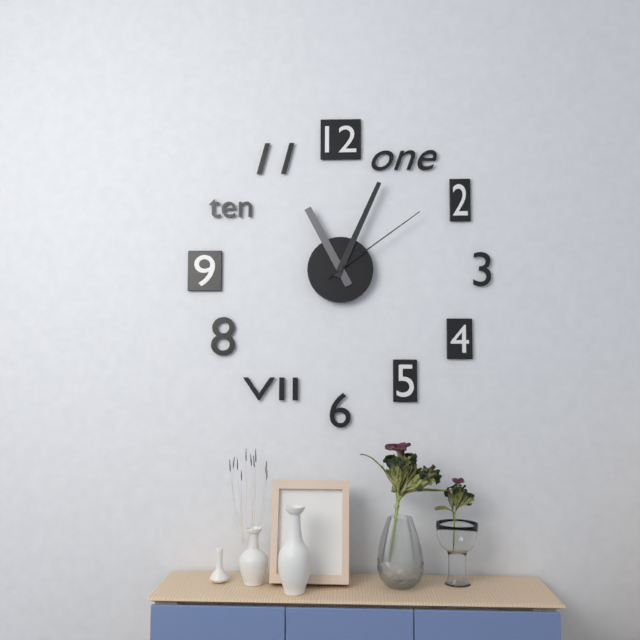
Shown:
11 h 04 min 09 s
